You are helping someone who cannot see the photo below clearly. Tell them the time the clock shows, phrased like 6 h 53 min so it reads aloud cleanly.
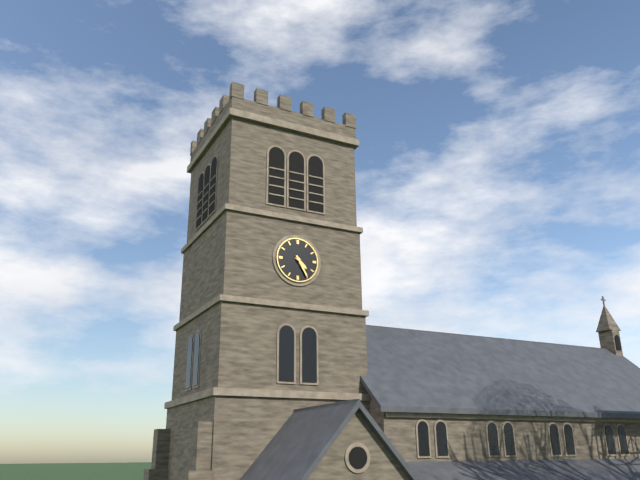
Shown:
4 h 25 min
